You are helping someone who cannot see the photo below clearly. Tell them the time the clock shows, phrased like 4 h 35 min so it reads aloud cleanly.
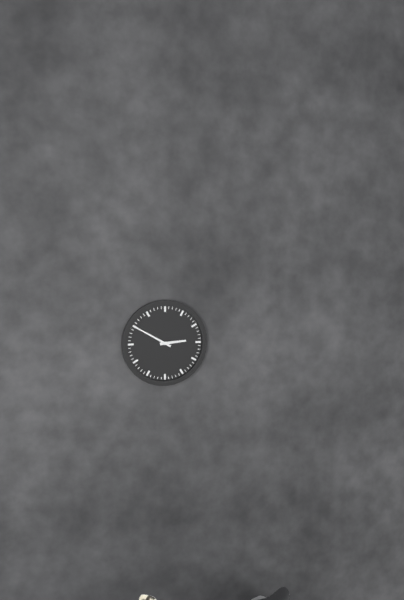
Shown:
2 h 50 min
